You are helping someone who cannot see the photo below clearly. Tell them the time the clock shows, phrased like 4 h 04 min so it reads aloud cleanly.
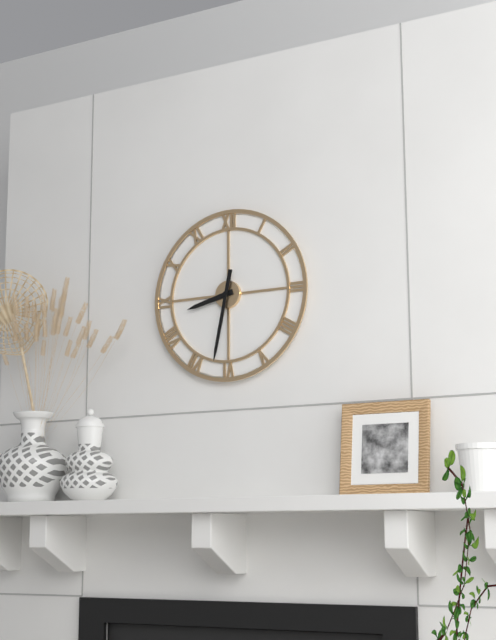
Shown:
8 h 32 min
